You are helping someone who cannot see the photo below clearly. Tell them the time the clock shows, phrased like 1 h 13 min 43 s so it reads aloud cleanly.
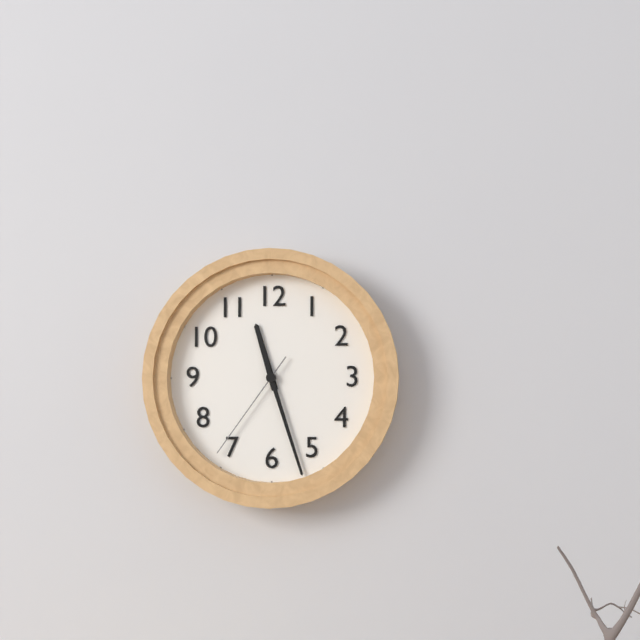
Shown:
11 h 27 min 36 s
